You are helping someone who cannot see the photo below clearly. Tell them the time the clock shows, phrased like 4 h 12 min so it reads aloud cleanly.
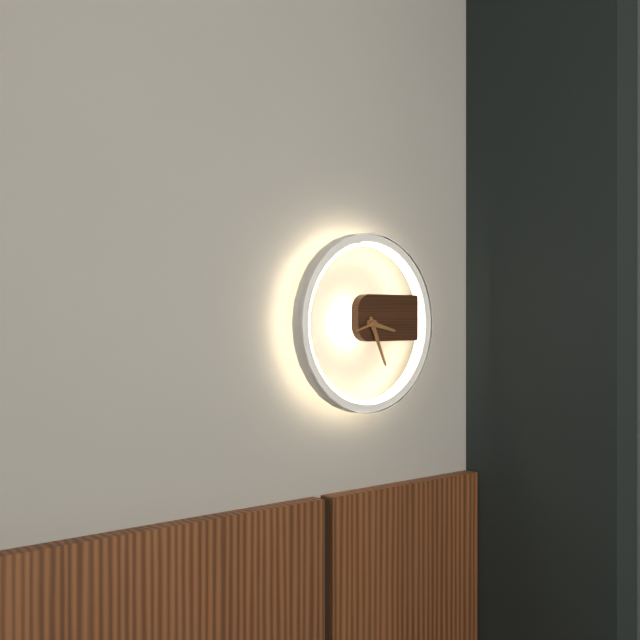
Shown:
3 h 26 min
